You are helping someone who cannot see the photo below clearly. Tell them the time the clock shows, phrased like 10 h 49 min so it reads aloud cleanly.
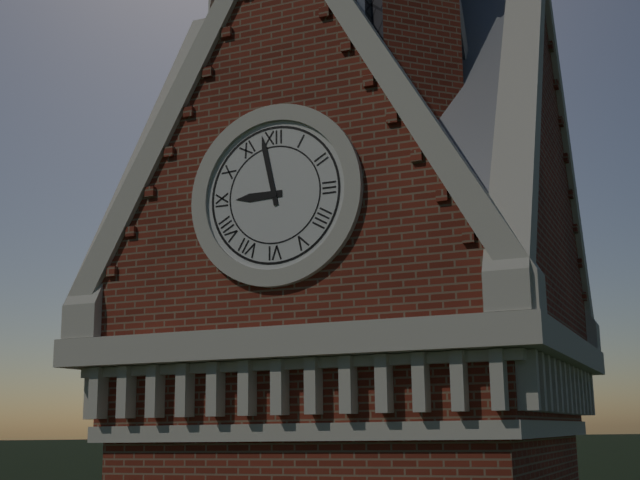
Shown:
8 h 58 min
